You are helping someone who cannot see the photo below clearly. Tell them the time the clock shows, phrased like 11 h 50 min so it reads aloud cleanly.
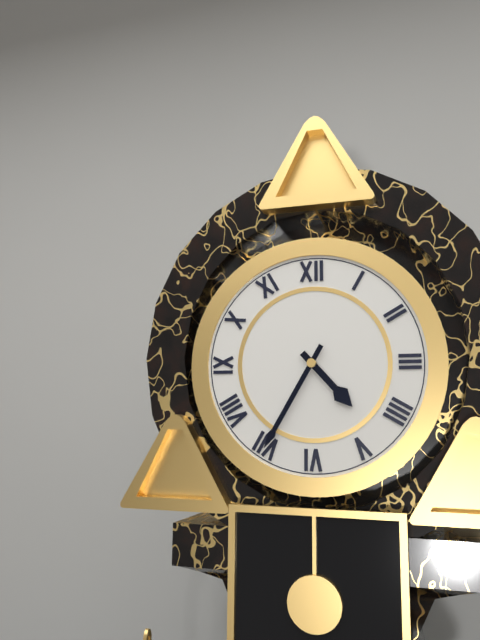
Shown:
4 h 35 min
